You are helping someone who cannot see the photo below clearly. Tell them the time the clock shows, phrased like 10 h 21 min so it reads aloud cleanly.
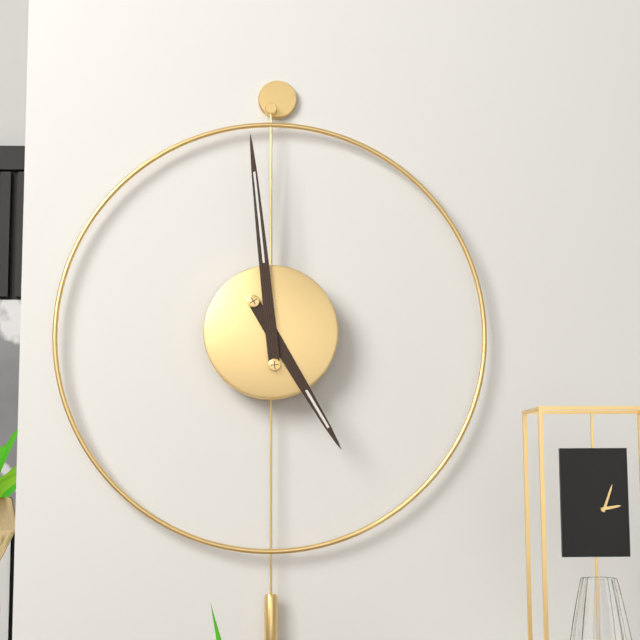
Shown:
4 h 59 min
